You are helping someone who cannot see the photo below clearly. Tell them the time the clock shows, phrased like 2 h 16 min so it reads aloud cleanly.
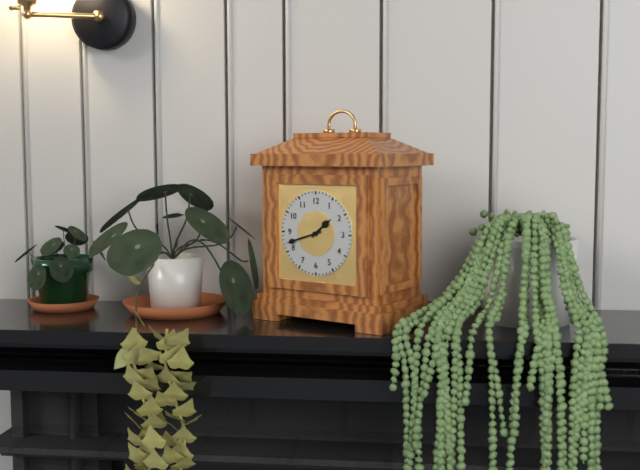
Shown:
1 h 42 min
